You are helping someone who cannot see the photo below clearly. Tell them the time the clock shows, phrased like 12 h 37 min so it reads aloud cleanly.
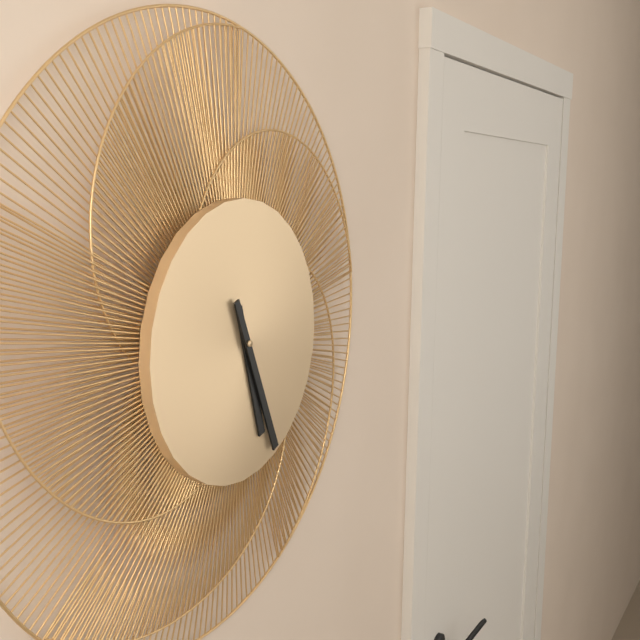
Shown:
5 h 26 min
